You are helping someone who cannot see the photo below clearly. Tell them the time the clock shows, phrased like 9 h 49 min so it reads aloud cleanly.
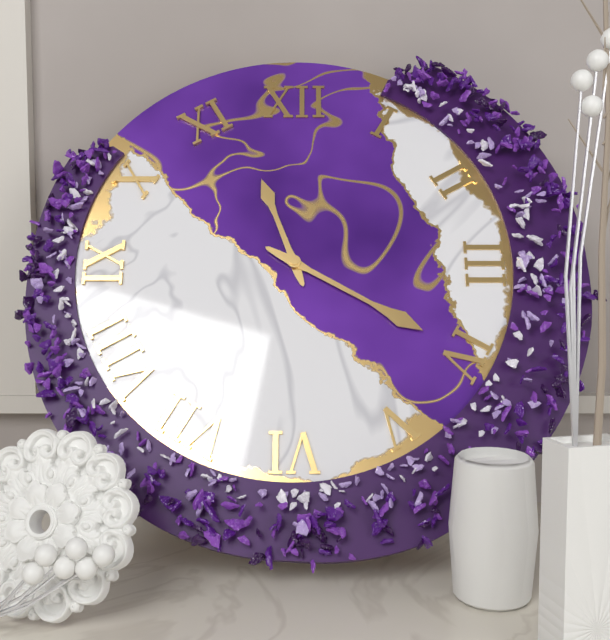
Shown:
11 h 20 min
